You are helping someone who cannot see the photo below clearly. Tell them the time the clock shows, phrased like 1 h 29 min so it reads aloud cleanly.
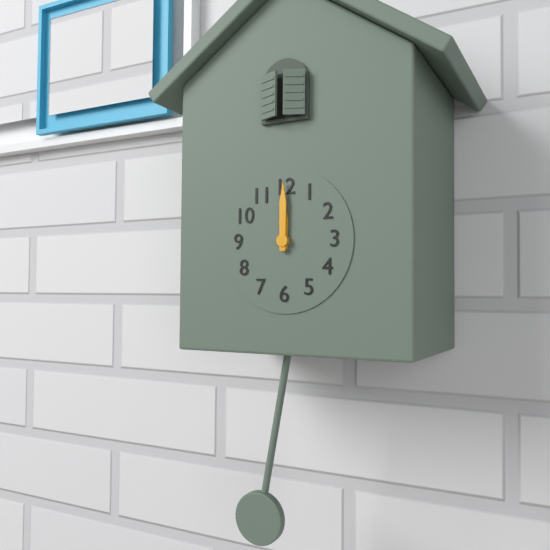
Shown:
12 h 00 min
